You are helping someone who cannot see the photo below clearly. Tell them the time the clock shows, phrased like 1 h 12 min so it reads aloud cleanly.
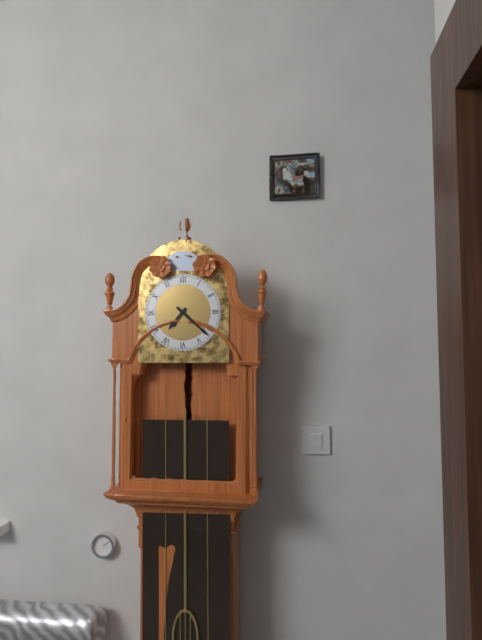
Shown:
7 h 22 min
